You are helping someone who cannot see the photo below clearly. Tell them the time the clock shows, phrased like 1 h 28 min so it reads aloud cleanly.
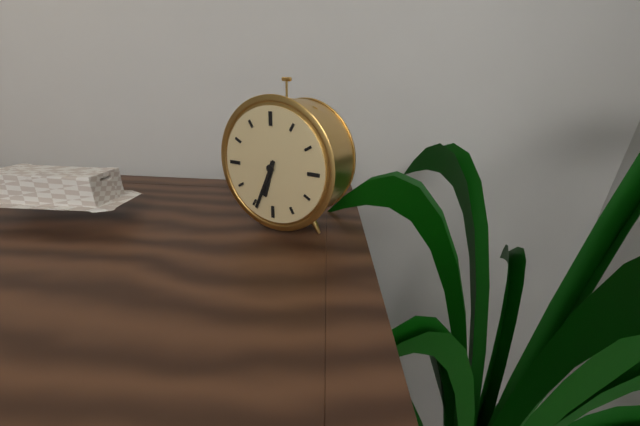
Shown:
6 h 34 min
